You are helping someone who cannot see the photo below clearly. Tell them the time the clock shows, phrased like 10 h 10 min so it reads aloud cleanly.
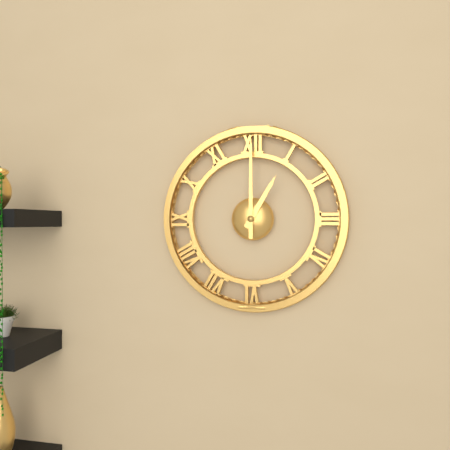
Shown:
1 h 00 min
